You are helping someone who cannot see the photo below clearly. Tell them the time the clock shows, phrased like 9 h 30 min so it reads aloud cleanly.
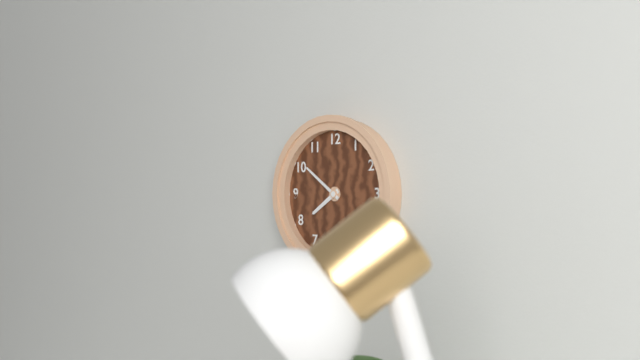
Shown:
7 h 51 min
